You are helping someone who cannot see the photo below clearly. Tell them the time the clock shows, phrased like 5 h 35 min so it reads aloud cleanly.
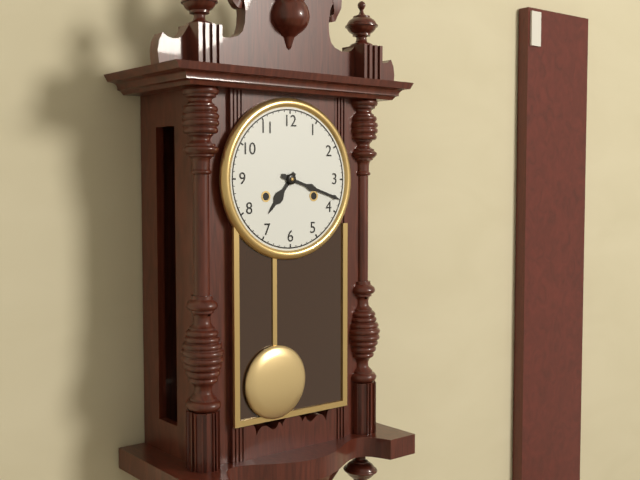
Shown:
7 h 18 min
